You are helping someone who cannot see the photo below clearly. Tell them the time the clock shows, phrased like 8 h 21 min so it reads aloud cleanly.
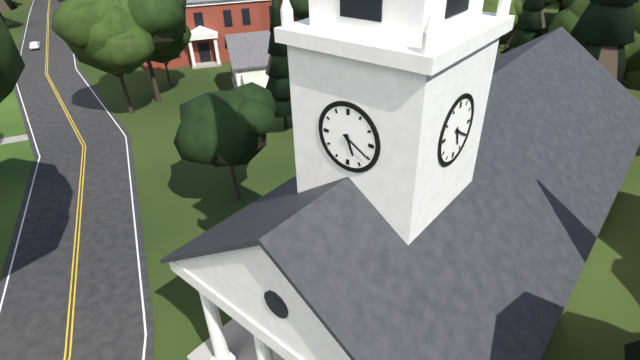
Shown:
5 h 20 min
